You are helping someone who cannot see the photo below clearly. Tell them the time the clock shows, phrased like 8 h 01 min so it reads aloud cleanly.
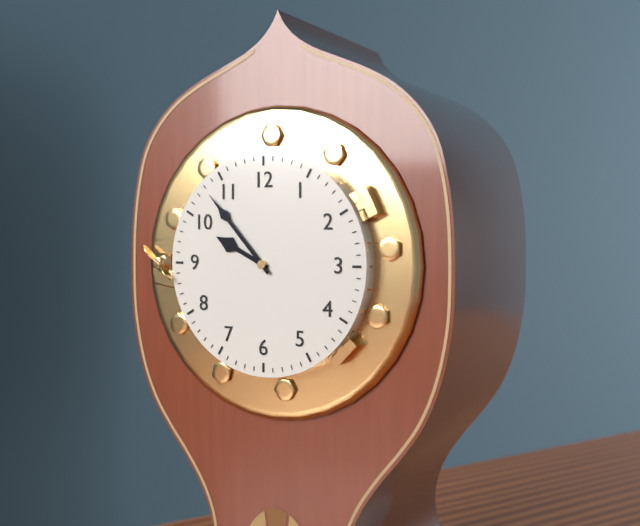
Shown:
9 h 53 min
